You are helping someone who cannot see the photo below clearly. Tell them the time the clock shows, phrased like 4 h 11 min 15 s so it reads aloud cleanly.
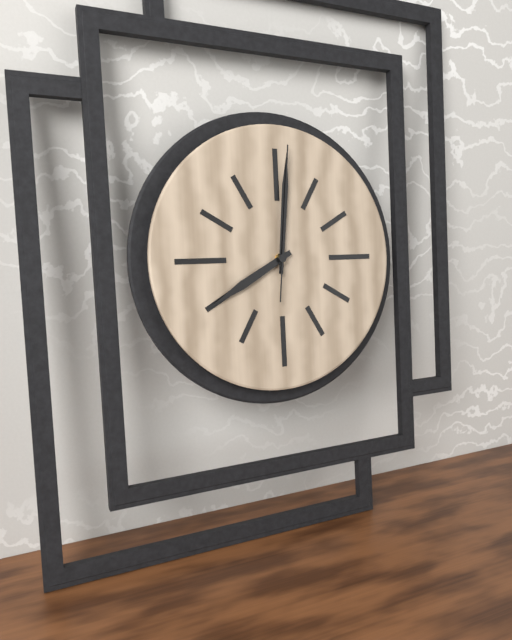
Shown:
8 h 01 min 01 s
